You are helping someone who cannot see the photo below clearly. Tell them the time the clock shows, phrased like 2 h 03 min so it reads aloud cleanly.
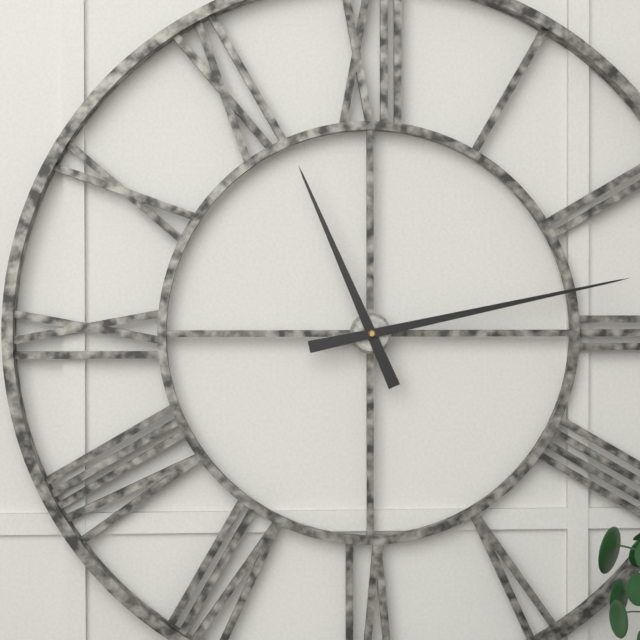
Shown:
11 h 13 min
